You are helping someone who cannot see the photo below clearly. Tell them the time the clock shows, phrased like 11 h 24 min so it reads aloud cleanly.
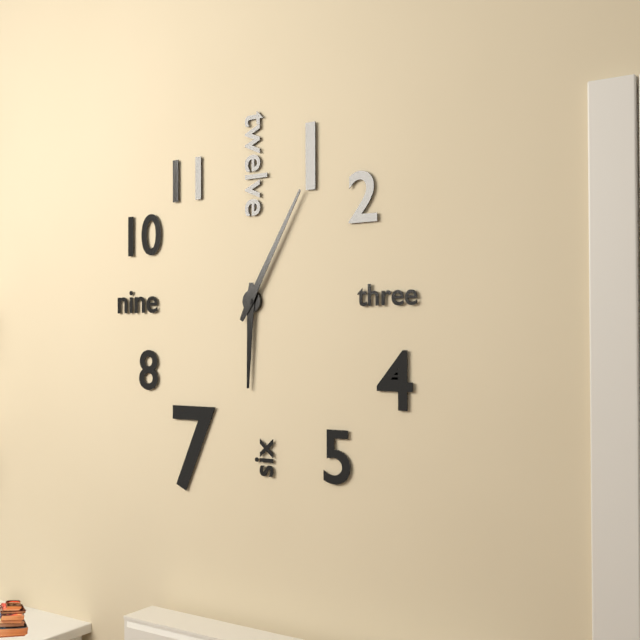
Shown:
6 h 05 min
